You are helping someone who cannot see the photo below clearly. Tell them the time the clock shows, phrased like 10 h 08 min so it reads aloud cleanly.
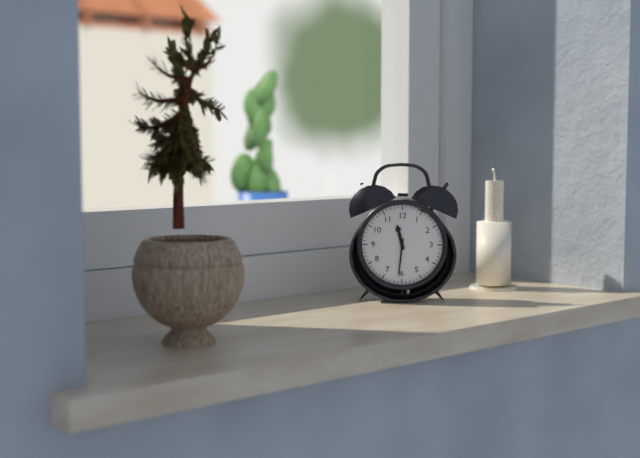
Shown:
11 h 31 min
